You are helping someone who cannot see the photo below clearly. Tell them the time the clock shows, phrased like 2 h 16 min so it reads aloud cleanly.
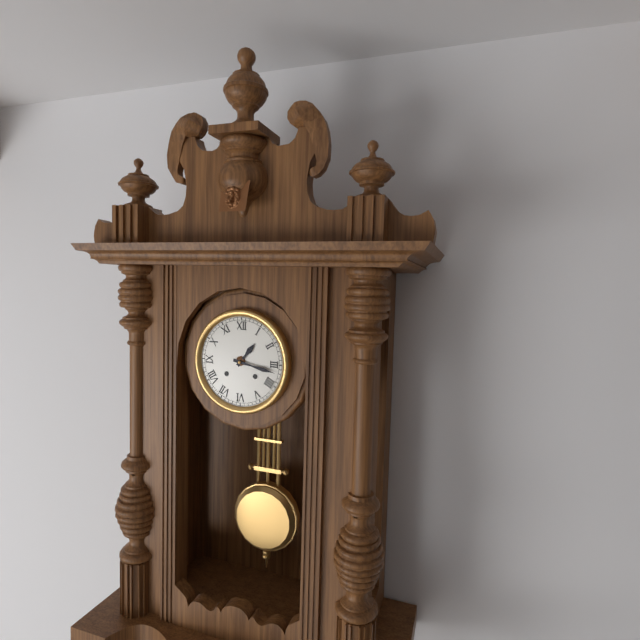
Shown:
1 h 17 min
